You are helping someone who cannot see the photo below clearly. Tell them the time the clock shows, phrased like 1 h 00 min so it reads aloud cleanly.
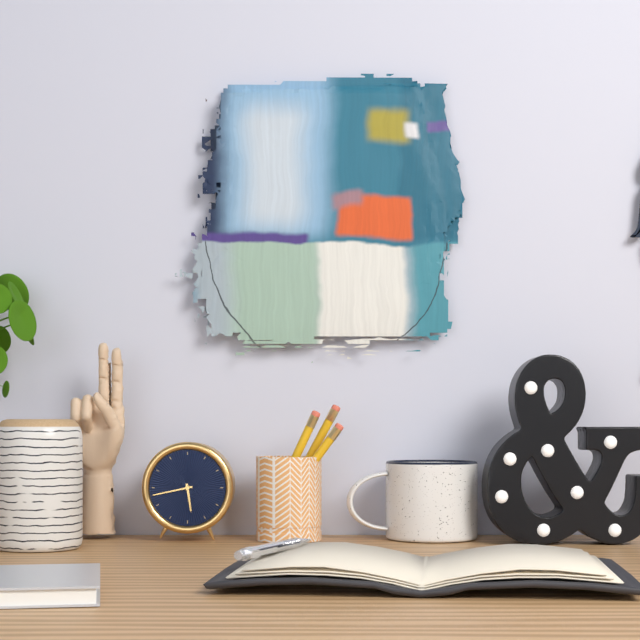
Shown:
5 h 43 min
